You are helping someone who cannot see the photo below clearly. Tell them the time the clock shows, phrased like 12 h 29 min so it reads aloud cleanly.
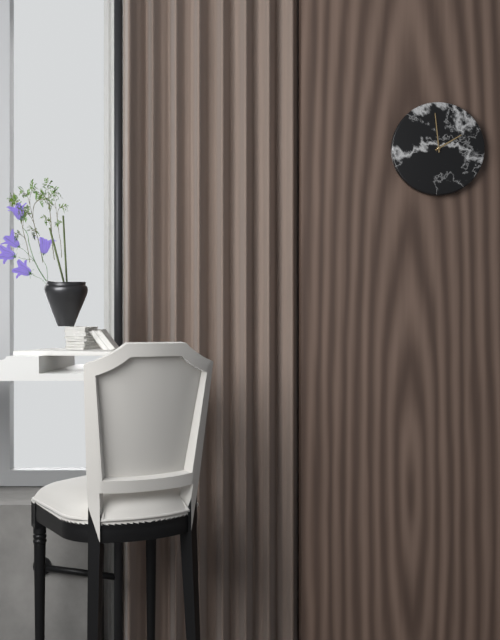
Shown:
1 h 59 min
